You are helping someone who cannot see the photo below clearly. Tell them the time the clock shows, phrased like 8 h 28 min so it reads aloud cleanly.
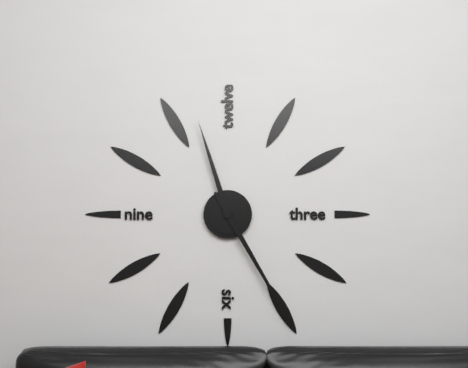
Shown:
11 h 25 min
